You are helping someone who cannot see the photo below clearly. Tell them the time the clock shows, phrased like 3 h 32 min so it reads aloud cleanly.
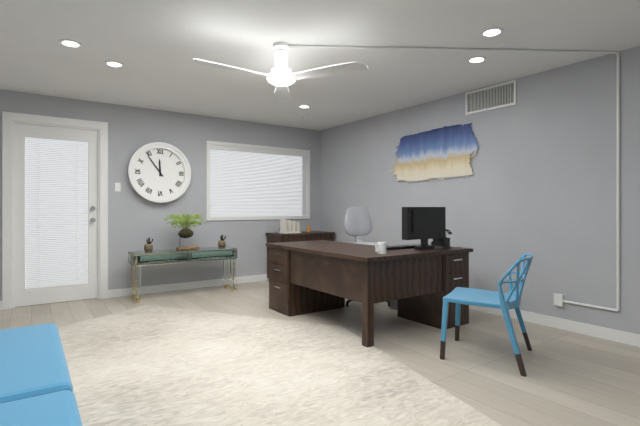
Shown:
11 h 54 min
